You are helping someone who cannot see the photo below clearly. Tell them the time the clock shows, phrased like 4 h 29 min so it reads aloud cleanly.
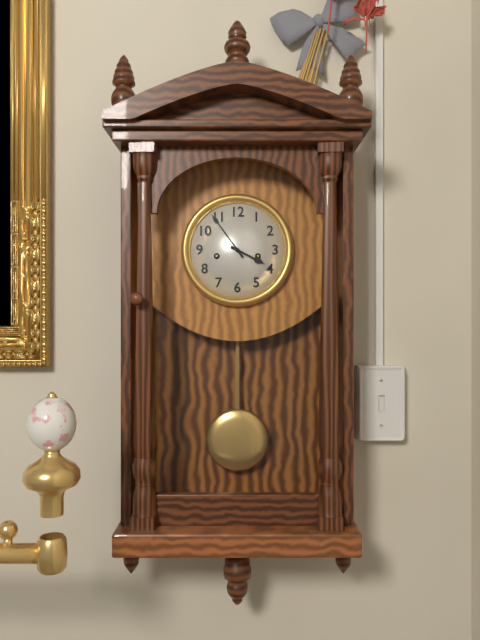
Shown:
3 h 54 min
